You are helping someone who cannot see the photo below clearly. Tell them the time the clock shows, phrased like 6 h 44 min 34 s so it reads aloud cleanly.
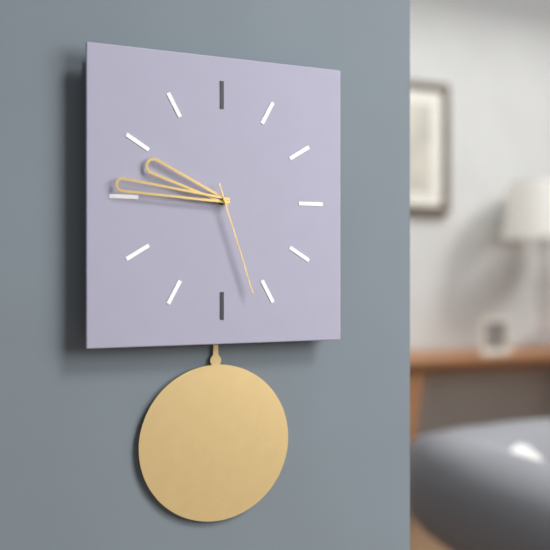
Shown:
9 h 46 min 27 s
